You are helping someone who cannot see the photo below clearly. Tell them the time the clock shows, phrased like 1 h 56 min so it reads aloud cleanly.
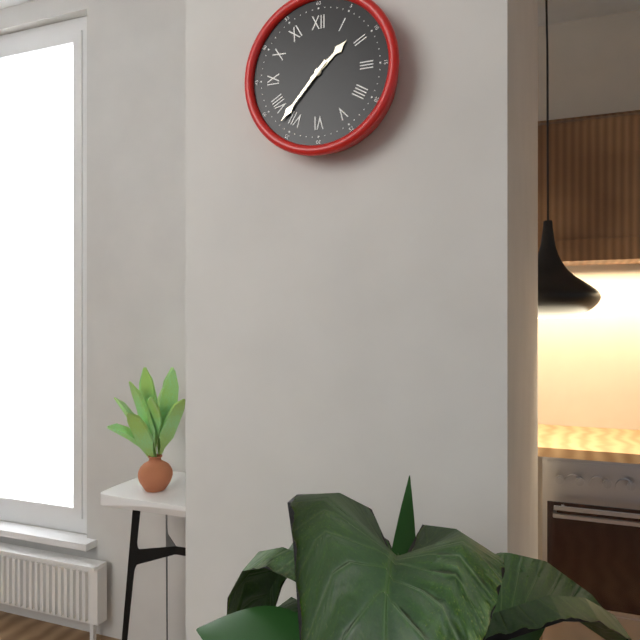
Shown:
1 h 37 min
